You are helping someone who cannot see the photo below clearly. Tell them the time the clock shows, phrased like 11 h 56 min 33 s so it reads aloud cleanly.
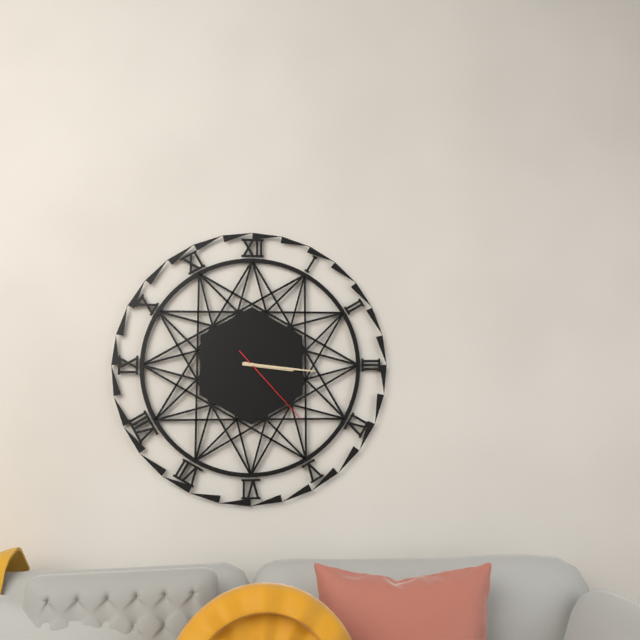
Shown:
3 h 16 min 23 s
